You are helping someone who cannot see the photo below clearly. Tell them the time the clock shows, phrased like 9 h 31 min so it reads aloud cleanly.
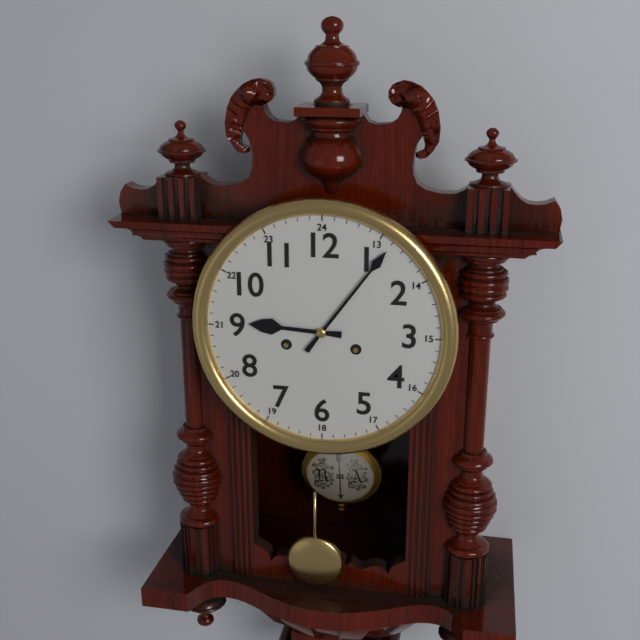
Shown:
9 h 06 min
